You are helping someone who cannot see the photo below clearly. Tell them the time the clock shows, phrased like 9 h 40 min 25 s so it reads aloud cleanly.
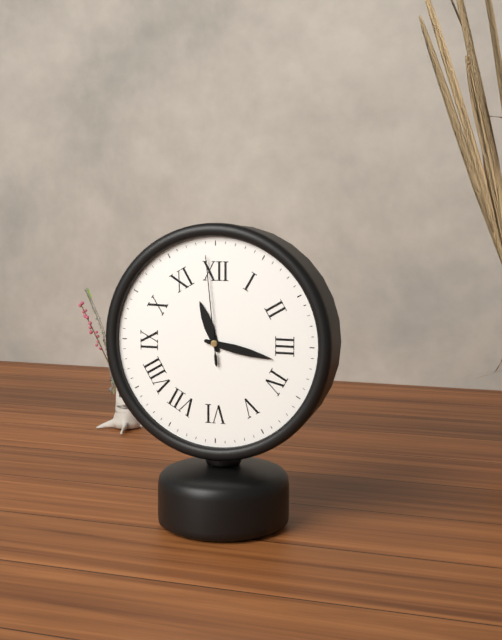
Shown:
11 h 17 min 59 s
